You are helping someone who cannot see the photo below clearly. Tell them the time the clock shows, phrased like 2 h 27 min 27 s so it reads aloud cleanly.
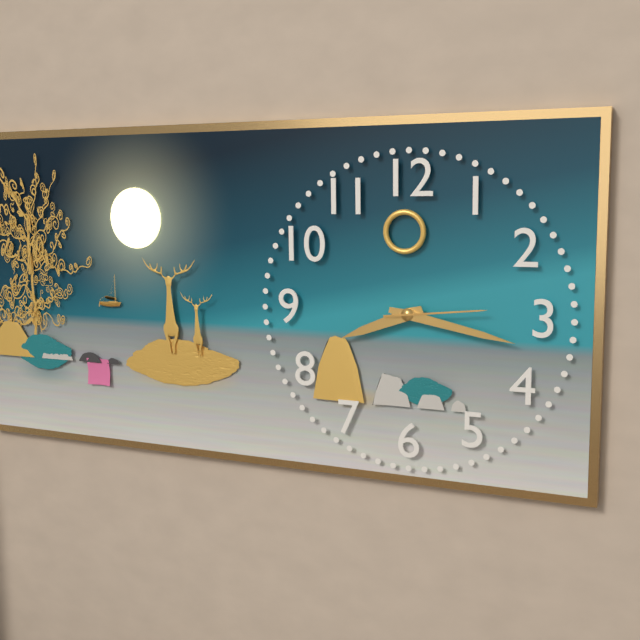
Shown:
8 h 17 min 14 s
